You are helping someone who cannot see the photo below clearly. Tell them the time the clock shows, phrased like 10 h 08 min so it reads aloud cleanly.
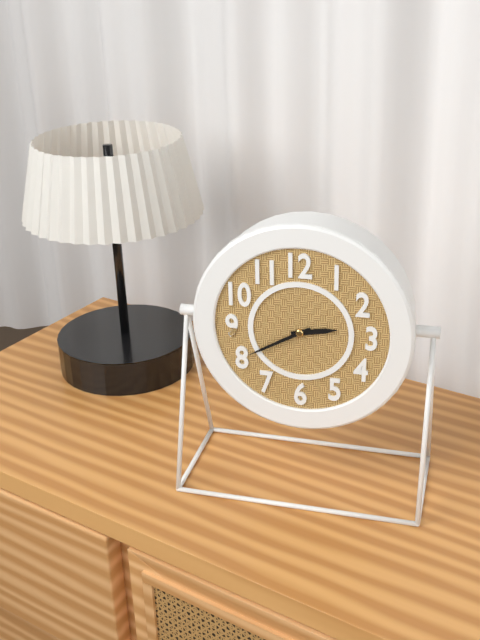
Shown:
2 h 40 min
